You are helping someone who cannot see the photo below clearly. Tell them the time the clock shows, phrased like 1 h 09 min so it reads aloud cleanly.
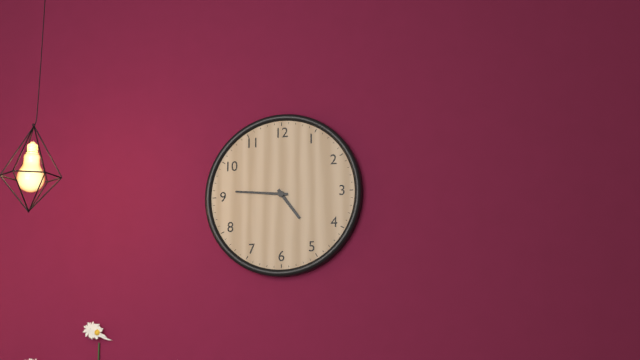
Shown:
4 h 46 min
